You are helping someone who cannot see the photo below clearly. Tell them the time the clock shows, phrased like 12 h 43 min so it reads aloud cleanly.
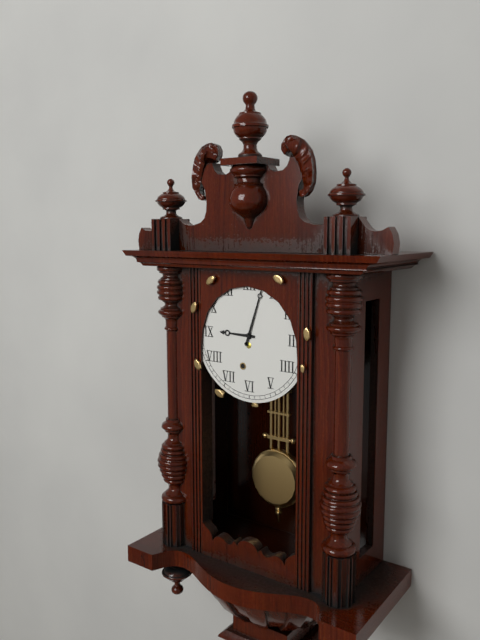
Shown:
9 h 03 min
